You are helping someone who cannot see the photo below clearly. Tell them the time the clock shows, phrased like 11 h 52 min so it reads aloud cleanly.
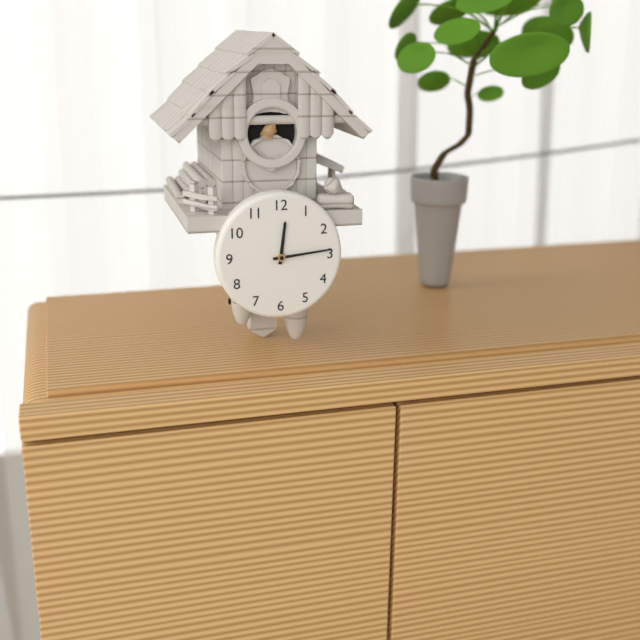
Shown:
12 h 14 min
